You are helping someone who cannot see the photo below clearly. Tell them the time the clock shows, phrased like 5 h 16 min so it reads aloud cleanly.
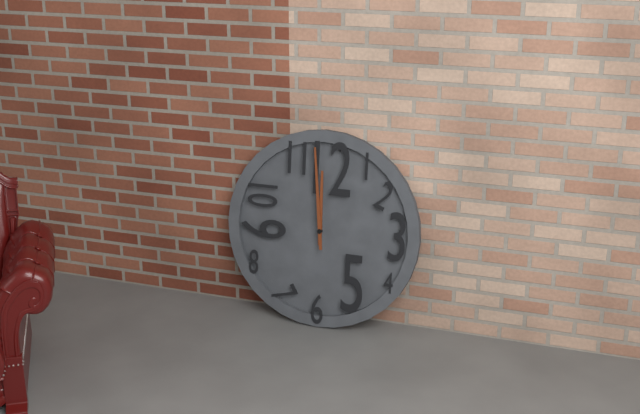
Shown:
11 h 59 min
